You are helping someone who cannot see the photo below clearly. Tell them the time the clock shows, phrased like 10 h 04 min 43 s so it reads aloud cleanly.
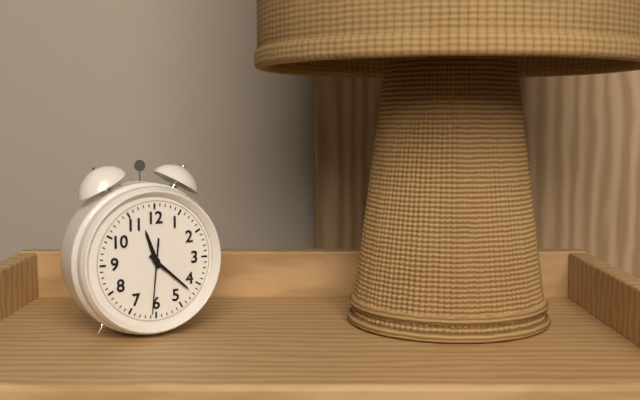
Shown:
11 h 22 min 31 s
